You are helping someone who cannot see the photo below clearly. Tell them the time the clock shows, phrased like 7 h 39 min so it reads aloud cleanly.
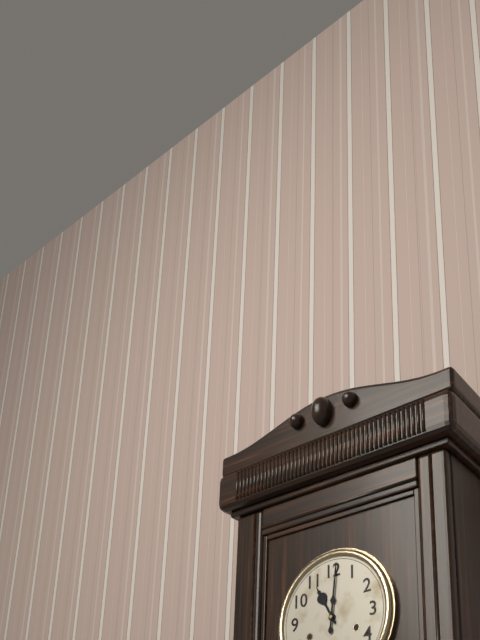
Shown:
11 h 01 min
